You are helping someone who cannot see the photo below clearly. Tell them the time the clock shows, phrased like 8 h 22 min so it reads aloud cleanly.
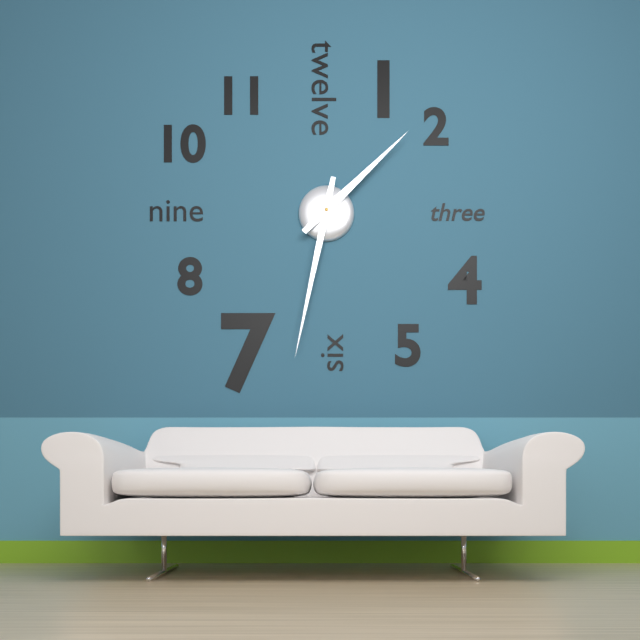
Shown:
1 h 32 min
